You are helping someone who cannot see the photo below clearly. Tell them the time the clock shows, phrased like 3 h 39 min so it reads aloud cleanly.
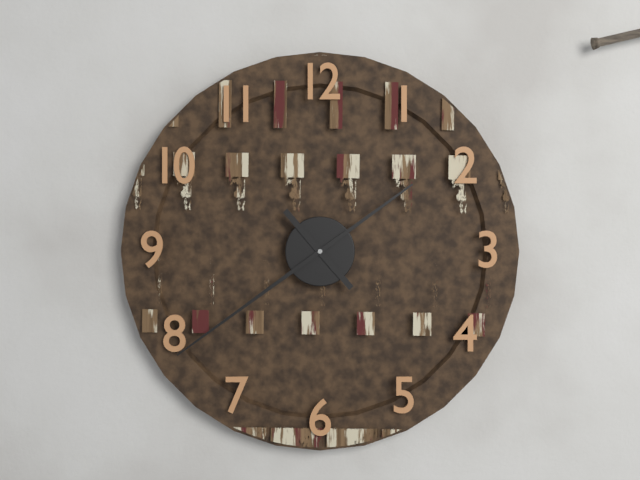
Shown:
10 h 39 min
